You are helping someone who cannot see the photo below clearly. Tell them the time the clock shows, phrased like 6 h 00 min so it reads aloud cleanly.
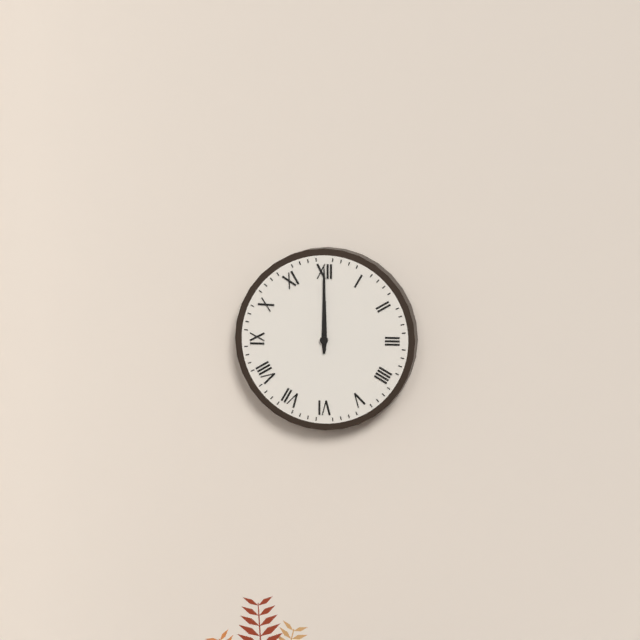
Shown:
12 h 00 min
